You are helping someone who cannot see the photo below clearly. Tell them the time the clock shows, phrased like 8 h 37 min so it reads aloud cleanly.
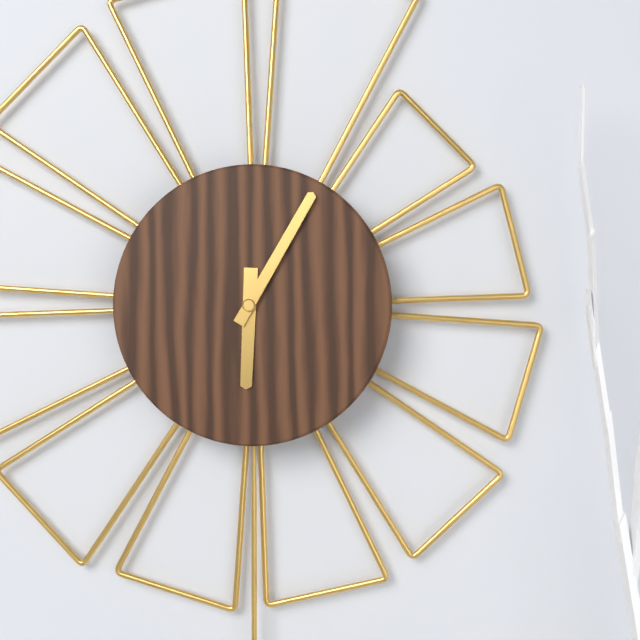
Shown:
6 h 05 min
